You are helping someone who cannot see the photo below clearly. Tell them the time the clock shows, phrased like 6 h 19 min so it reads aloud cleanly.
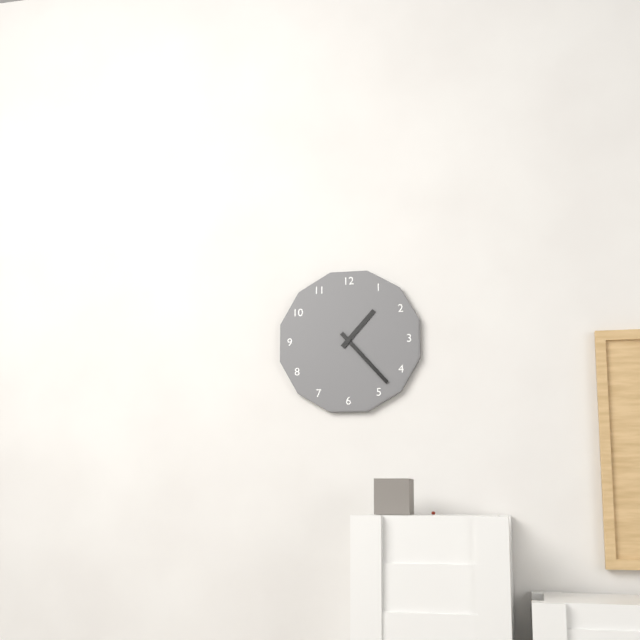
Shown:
1 h 23 min
